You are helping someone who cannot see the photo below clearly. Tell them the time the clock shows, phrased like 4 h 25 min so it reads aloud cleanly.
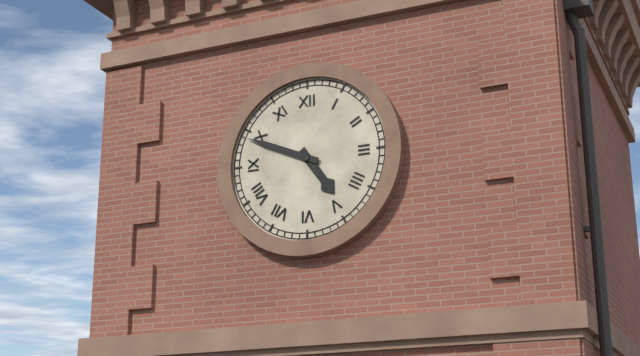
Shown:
4 h 49 min
